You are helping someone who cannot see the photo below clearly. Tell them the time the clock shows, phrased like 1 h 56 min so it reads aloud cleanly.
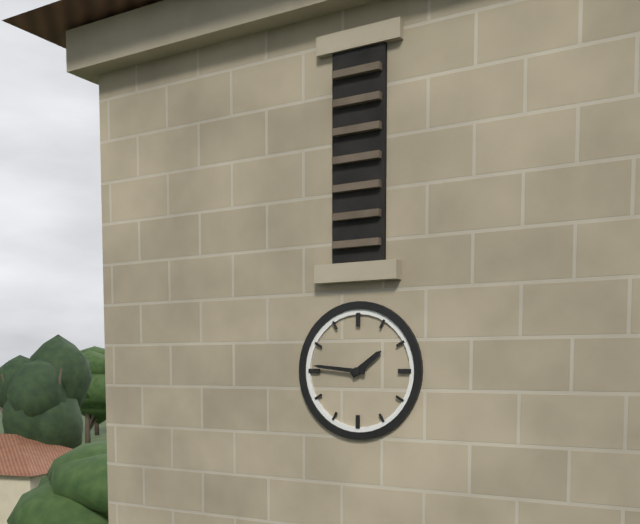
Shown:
1 h 46 min
